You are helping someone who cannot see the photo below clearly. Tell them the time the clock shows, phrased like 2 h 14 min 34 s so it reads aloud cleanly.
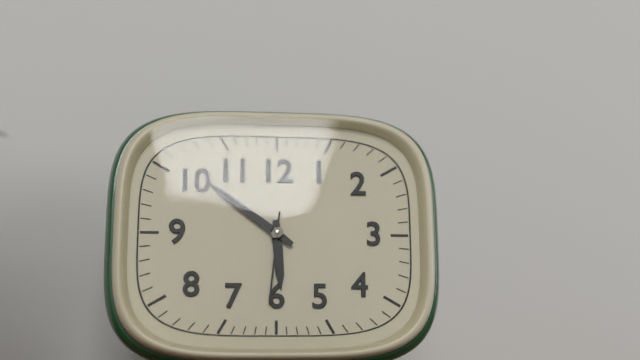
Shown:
5 h 51 min 31 s
